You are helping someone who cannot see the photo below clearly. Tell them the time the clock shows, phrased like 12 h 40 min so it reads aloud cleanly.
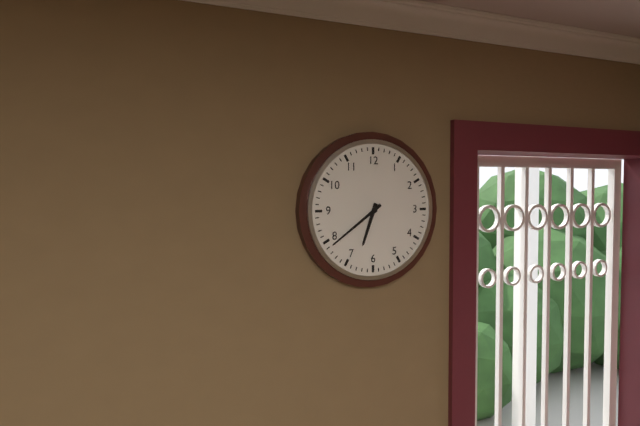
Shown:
6 h 39 min
